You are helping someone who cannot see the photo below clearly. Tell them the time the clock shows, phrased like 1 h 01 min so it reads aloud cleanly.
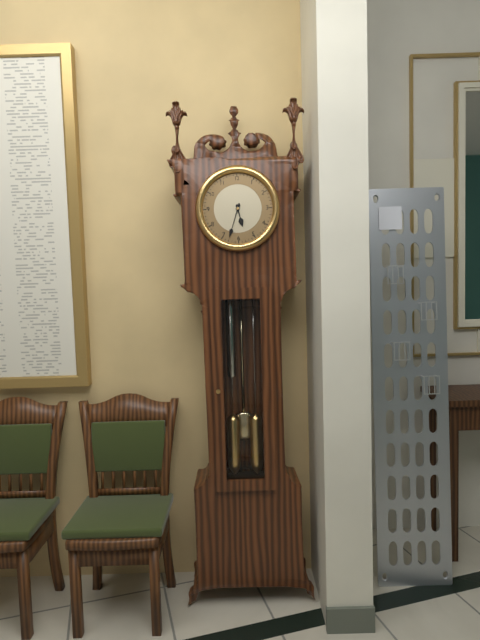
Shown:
5 h 33 min
